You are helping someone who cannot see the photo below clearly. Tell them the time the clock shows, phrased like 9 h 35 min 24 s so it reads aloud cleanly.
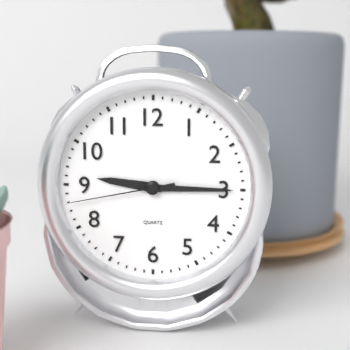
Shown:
9 h 15 min 43 s
